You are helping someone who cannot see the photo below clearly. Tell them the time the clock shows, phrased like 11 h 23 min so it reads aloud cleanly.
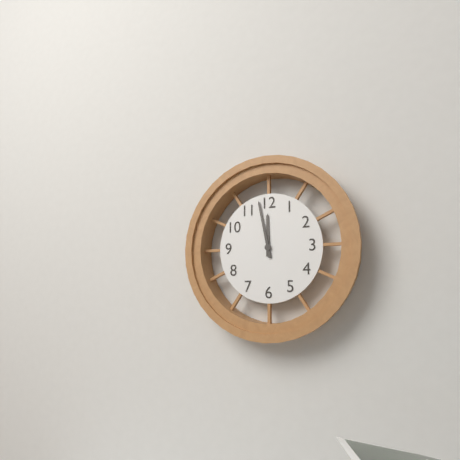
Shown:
11 h 58 min
